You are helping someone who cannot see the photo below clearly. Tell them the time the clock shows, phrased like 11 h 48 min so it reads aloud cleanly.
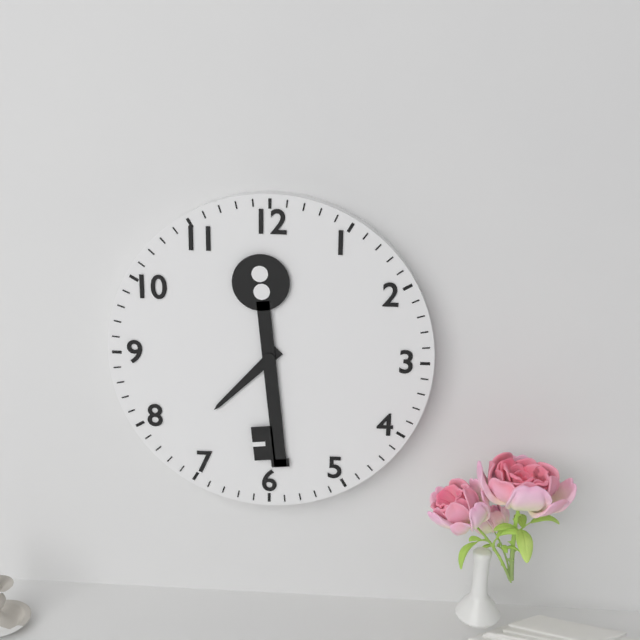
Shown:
7 h 29 min
